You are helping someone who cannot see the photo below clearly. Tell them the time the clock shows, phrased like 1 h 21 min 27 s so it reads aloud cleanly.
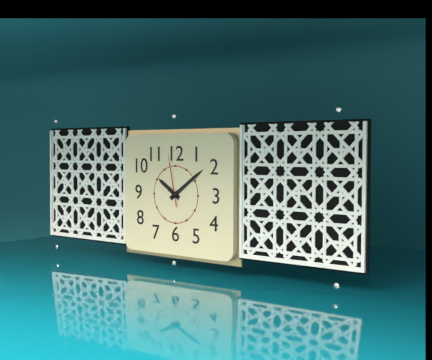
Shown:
10 h 09 min 58 s
